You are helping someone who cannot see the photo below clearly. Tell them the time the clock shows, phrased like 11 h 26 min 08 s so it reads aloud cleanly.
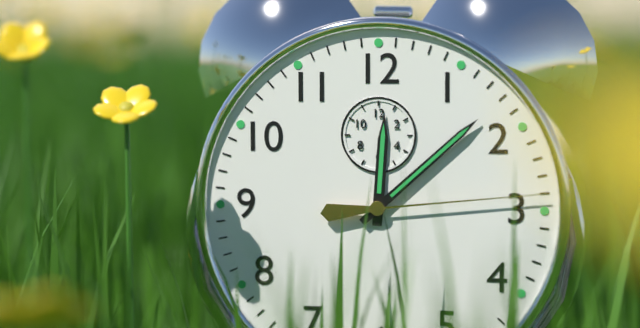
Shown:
12 h 08 min 14 s
